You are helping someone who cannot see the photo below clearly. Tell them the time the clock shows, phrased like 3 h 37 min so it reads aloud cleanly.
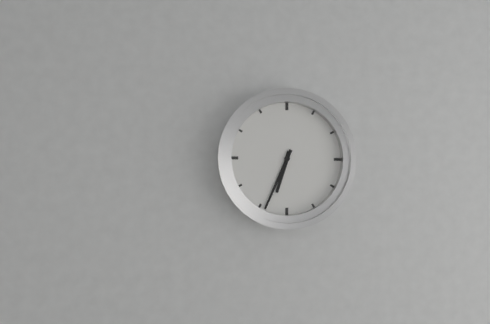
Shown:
6 h 34 min
